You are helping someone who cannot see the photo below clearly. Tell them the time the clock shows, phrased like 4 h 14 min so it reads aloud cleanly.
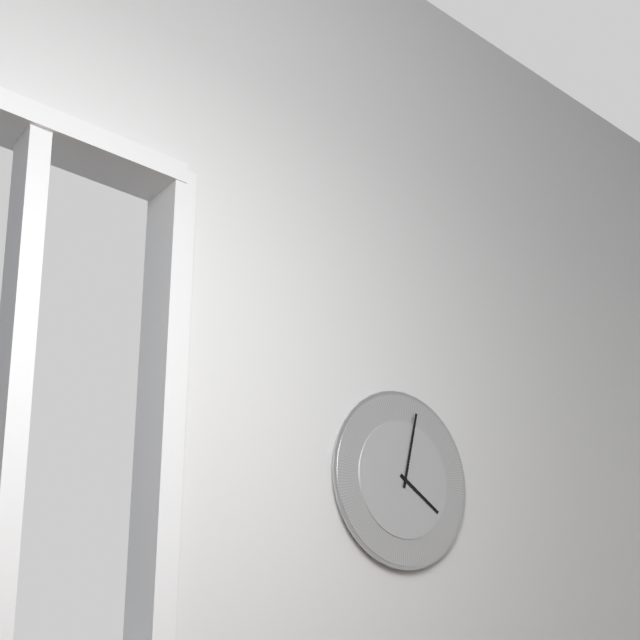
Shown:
4 h 02 min
